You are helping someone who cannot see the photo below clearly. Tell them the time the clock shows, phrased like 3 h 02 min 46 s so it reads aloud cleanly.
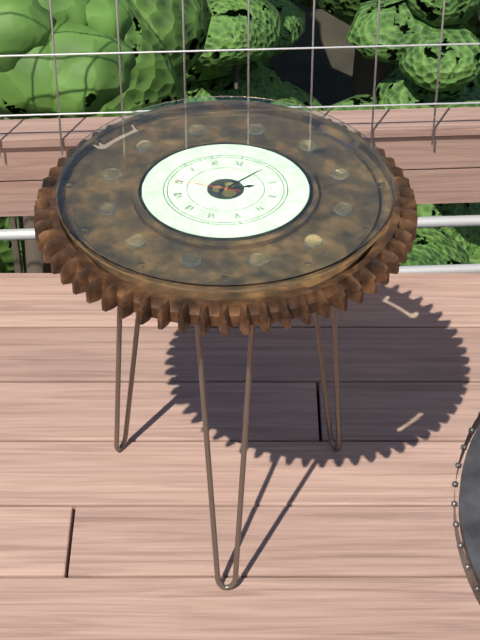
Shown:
2 h 05 min 45 s
